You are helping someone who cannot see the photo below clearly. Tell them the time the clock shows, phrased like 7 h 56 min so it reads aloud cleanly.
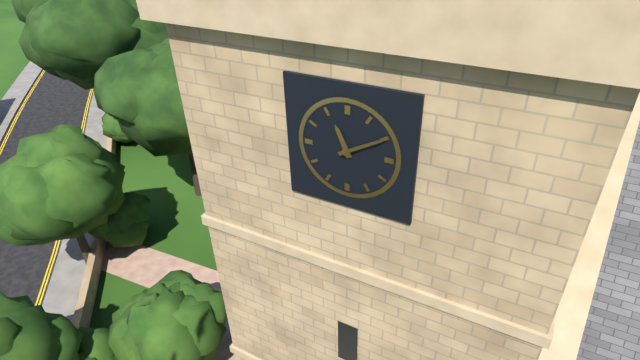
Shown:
11 h 10 min
